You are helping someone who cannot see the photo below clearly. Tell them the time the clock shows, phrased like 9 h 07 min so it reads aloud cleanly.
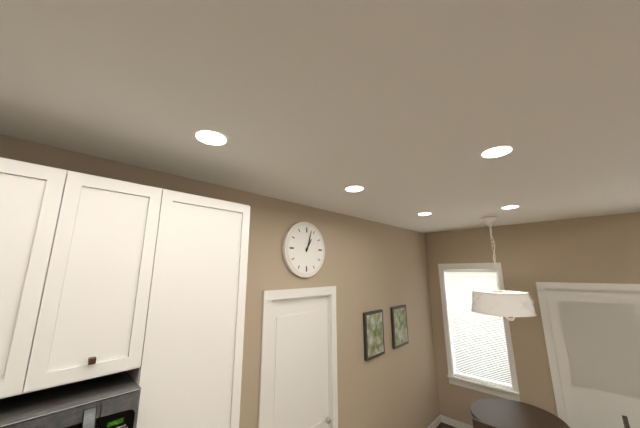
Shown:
1 h 03 min
